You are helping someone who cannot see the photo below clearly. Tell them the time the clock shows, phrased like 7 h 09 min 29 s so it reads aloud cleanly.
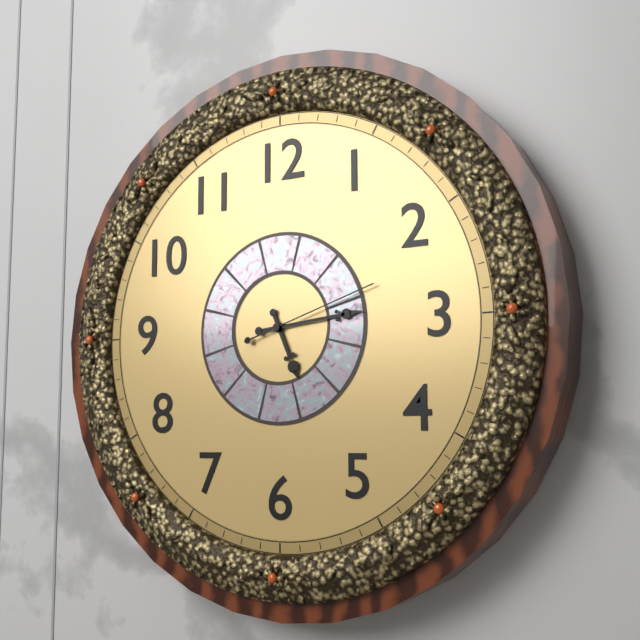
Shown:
5 h 14 min 12 s
